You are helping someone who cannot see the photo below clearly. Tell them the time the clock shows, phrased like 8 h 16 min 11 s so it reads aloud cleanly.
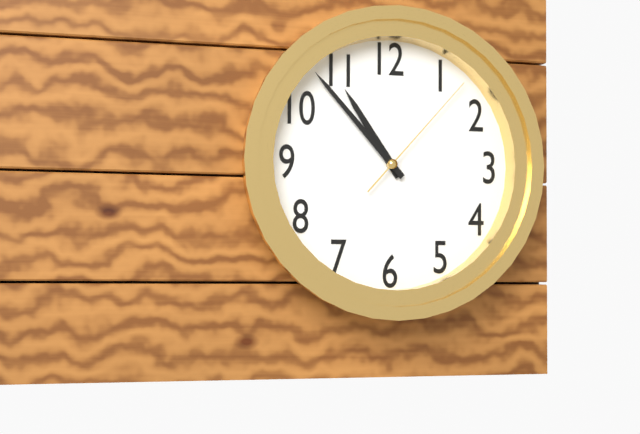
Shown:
10 h 53 min 07 s
